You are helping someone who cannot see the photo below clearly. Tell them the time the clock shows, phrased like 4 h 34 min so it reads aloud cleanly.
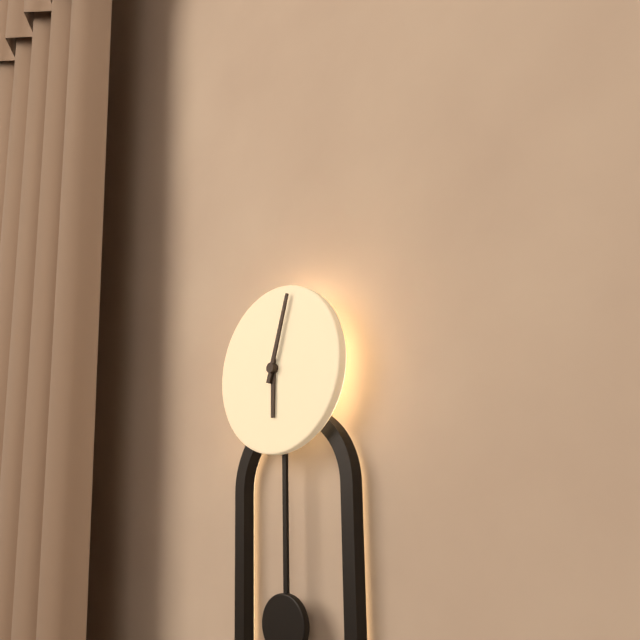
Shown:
6 h 03 min
